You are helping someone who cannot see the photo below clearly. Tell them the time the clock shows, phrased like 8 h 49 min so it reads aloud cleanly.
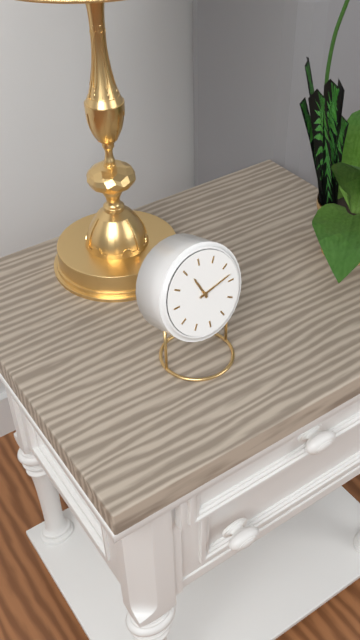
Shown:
11 h 13 min
